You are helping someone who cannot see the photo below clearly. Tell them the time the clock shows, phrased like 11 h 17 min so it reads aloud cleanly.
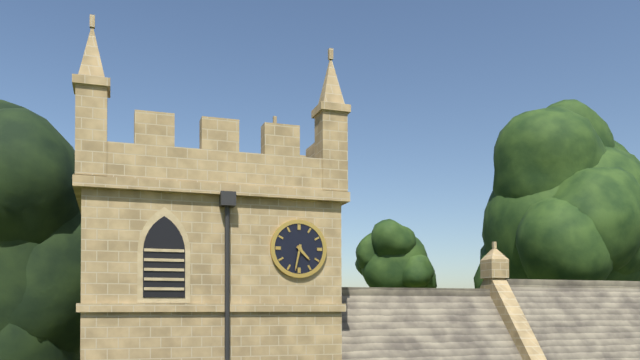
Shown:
4 h 32 min
